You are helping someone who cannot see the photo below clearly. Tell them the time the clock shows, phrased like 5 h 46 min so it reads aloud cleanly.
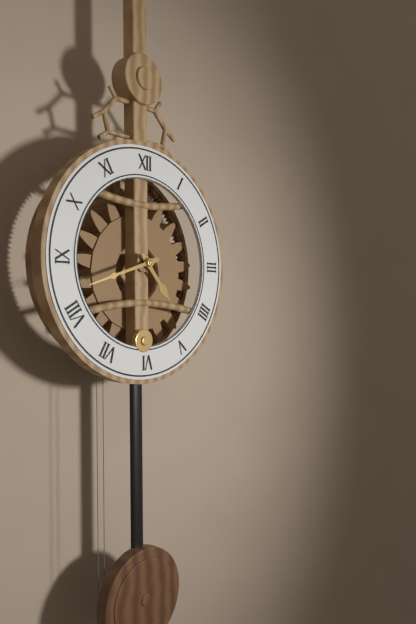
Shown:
4 h 42 min
